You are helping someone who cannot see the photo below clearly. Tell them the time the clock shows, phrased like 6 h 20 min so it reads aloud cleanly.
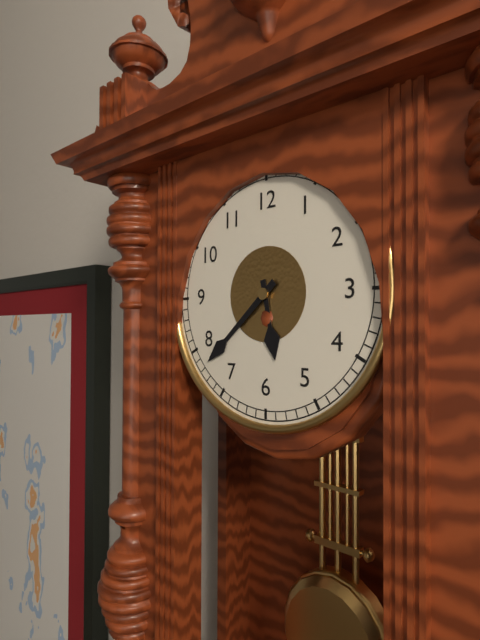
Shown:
5 h 38 min
